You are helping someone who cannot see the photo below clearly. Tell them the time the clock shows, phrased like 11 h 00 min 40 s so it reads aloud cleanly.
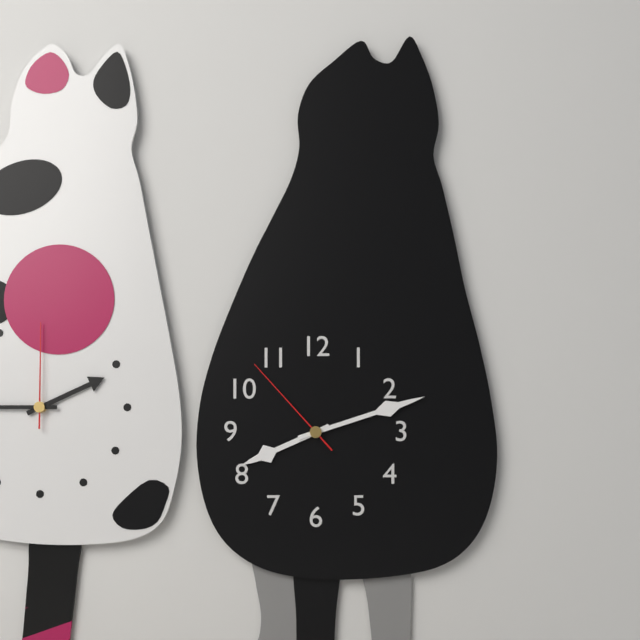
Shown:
8 h 12 min 53 s
